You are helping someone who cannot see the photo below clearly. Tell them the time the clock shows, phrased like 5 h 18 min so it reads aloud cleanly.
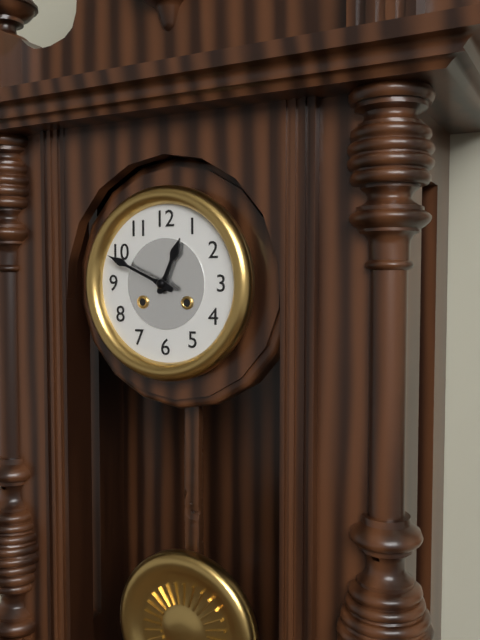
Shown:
12 h 49 min
